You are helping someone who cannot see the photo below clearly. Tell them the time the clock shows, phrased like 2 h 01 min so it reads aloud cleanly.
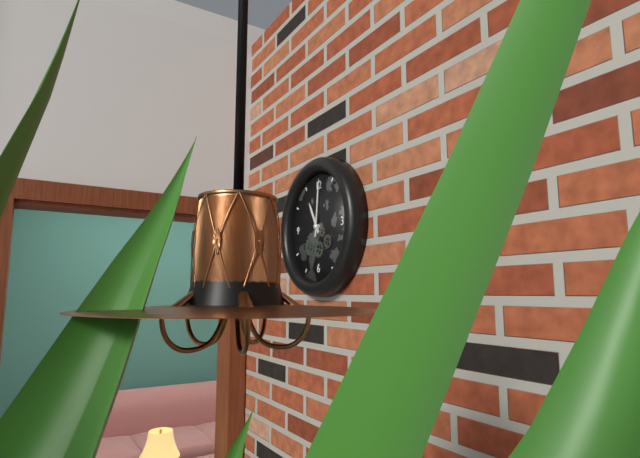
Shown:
11 h 01 min
